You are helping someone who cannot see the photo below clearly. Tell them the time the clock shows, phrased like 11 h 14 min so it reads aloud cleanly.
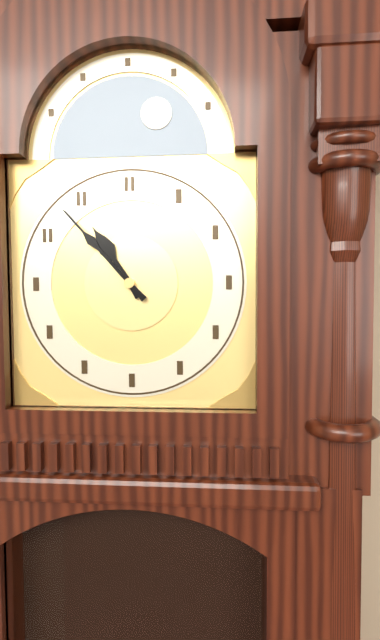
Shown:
10 h 53 min
